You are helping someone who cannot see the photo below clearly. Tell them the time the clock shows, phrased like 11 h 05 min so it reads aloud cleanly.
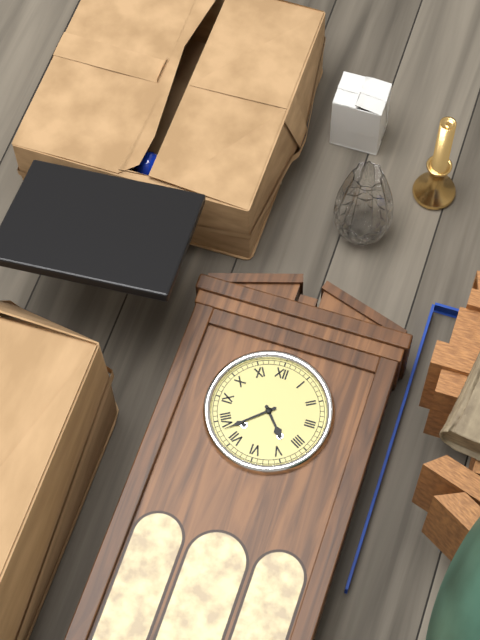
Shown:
4 h 38 min
